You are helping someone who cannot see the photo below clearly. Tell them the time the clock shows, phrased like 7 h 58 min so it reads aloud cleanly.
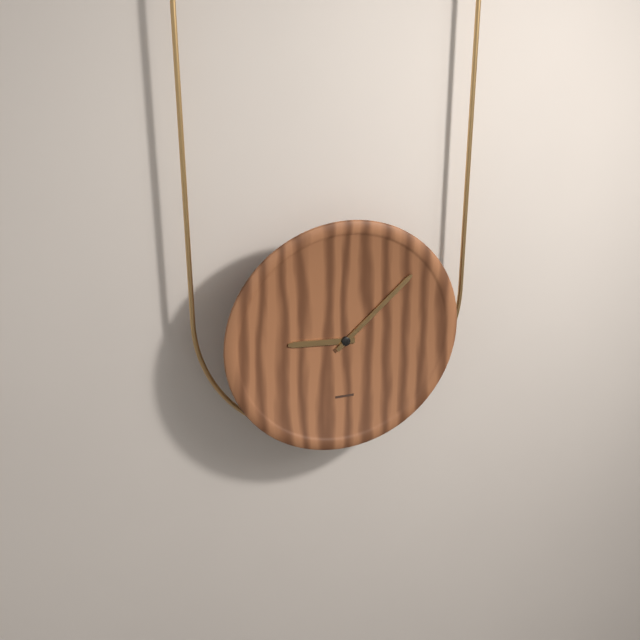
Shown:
9 h 08 min
